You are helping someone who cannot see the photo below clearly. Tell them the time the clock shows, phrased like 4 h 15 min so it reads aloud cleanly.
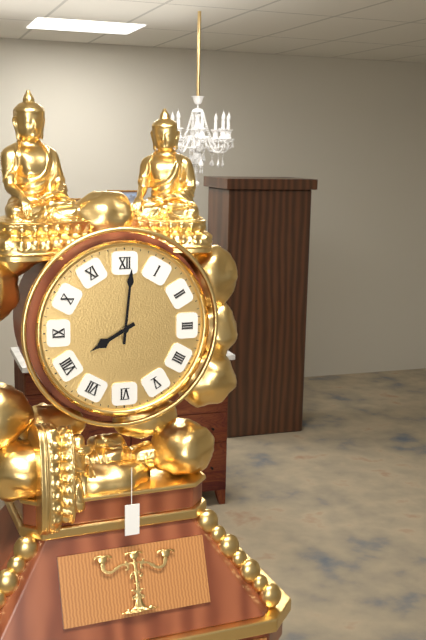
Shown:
8 h 01 min
